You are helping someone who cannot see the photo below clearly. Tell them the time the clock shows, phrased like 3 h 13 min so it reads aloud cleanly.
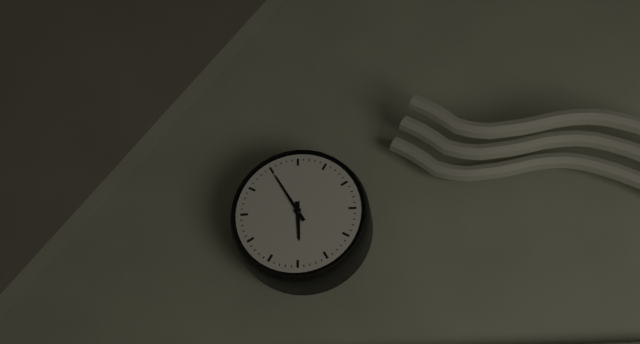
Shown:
5 h 55 min
